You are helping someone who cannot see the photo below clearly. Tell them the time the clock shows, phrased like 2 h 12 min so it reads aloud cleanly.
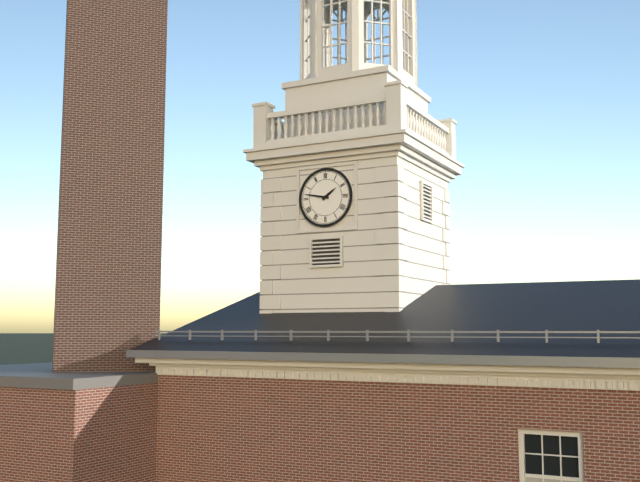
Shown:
1 h 47 min
